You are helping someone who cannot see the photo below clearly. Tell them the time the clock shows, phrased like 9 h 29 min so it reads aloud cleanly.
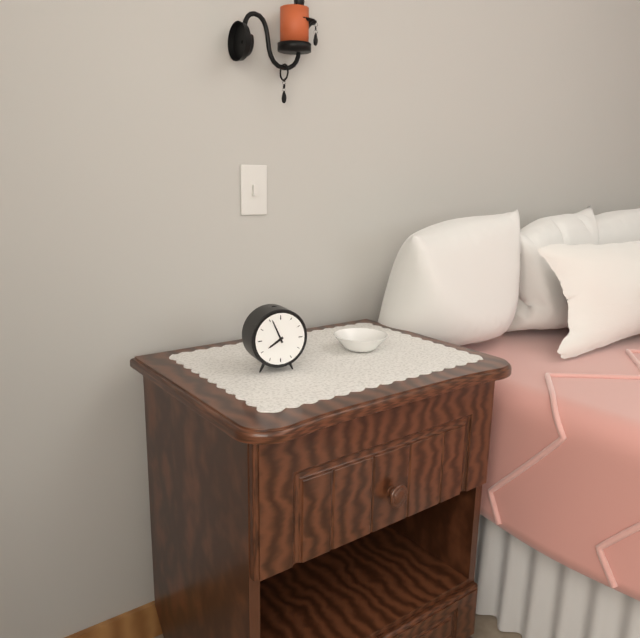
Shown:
7 h 56 min
